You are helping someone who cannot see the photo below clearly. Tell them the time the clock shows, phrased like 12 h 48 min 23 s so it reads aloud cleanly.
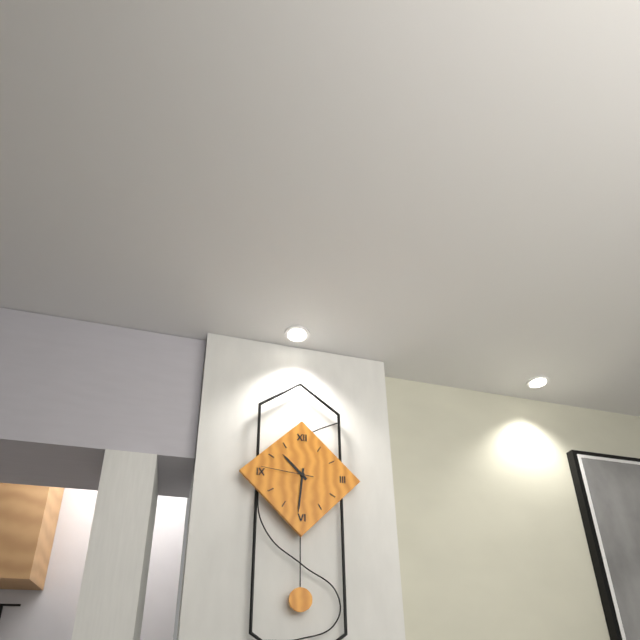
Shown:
10 h 31 min 46 s
